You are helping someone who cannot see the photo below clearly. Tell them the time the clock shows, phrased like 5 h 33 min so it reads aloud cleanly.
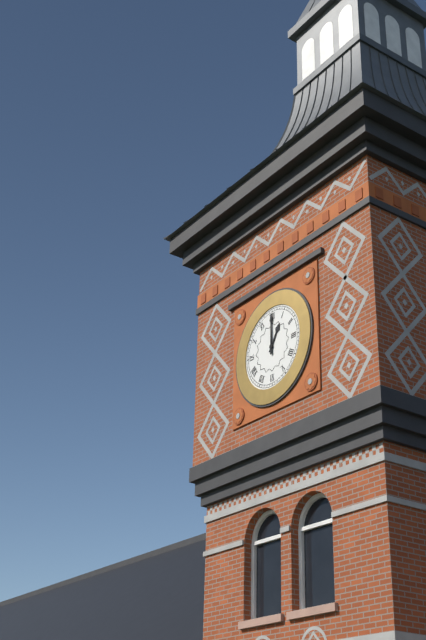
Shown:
1 h 00 min
